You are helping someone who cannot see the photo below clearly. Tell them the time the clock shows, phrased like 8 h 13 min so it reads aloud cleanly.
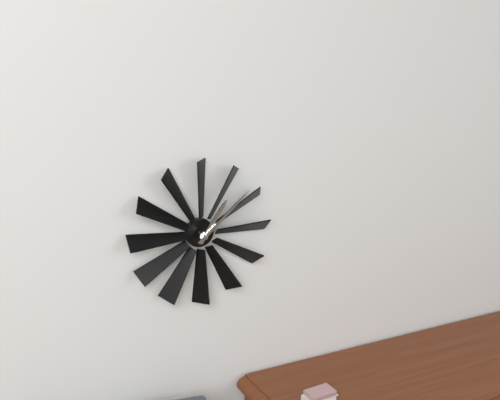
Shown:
1 h 08 min
